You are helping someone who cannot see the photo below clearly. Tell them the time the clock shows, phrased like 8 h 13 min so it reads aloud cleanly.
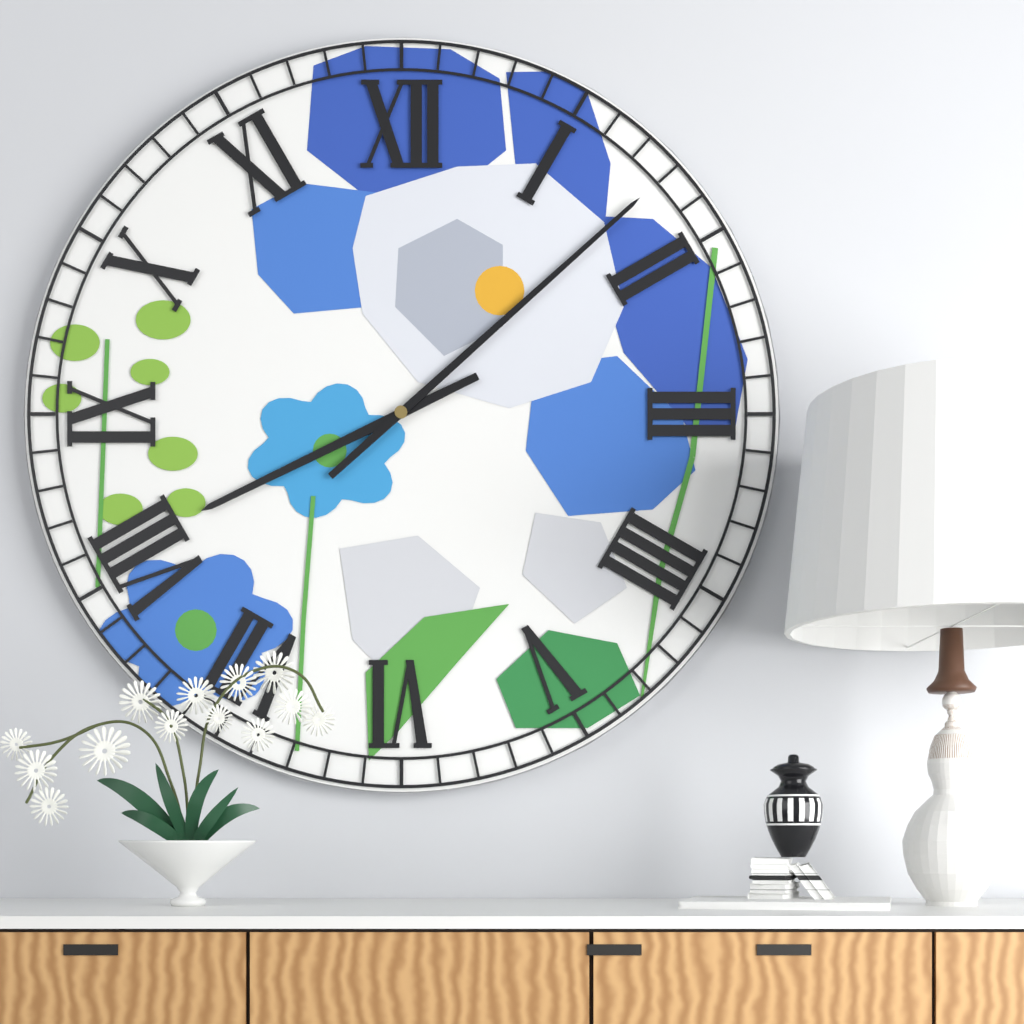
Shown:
8 h 08 min
